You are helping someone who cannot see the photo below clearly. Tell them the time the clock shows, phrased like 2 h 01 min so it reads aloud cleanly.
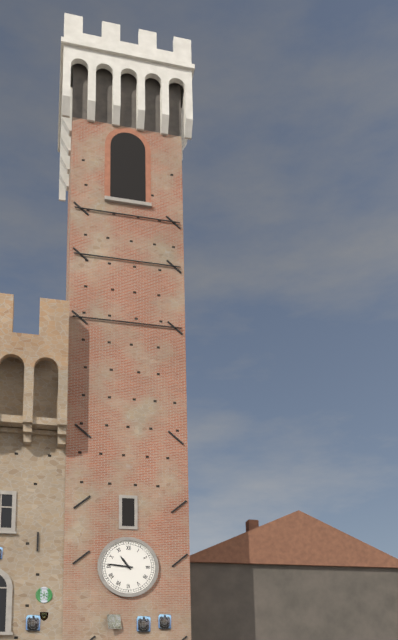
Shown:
10 h 46 min
